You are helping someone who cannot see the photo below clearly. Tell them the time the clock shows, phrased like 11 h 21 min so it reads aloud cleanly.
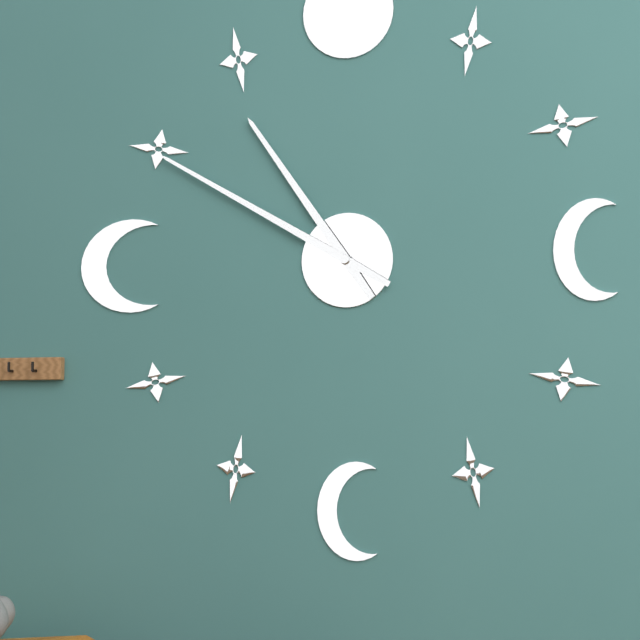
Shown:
10 h 50 min
